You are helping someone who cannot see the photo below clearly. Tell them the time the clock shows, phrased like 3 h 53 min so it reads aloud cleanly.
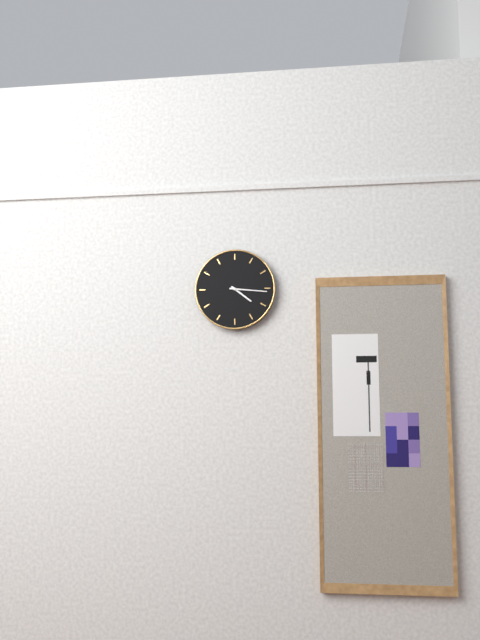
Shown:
4 h 16 min
